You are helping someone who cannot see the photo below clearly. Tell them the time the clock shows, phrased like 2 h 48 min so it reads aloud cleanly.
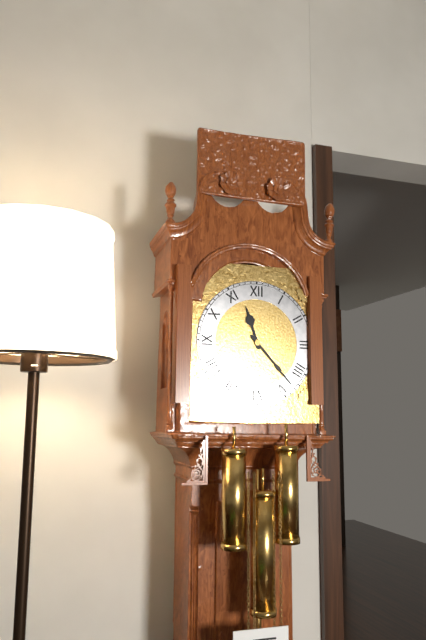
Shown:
11 h 23 min
